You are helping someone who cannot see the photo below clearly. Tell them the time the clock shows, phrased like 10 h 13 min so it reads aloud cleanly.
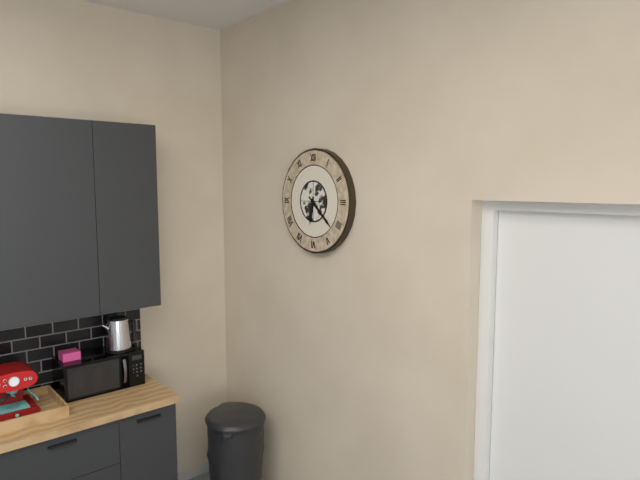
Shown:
6 h 22 min
